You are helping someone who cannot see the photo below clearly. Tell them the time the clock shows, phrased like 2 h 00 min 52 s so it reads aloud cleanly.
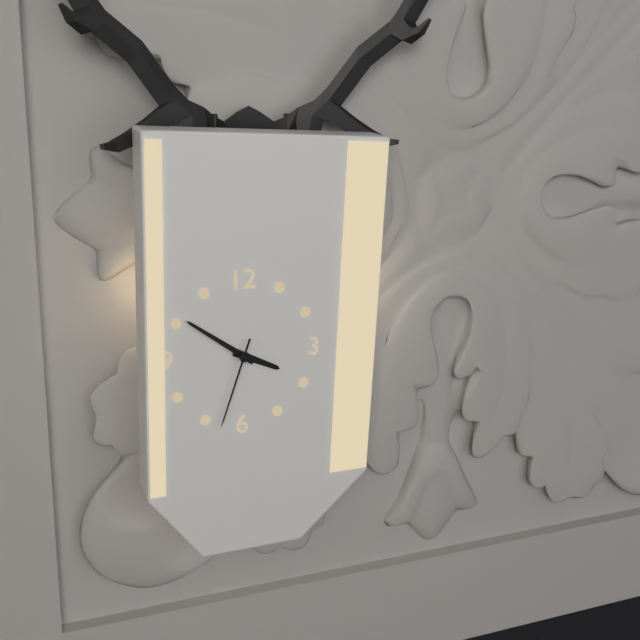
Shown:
3 h 51 min 33 s
